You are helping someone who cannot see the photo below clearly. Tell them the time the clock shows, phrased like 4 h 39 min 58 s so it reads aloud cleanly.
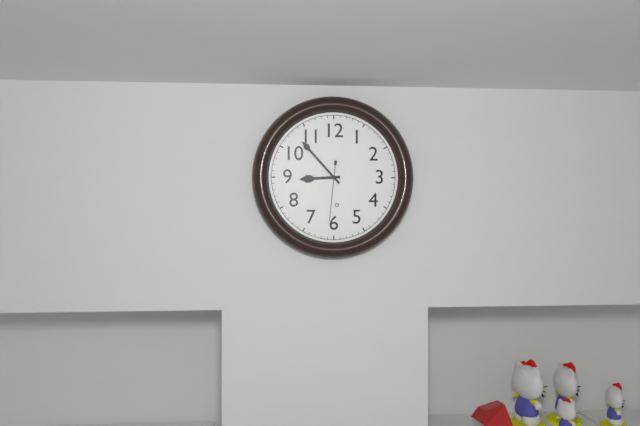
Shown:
8 h 53 min 31 s
